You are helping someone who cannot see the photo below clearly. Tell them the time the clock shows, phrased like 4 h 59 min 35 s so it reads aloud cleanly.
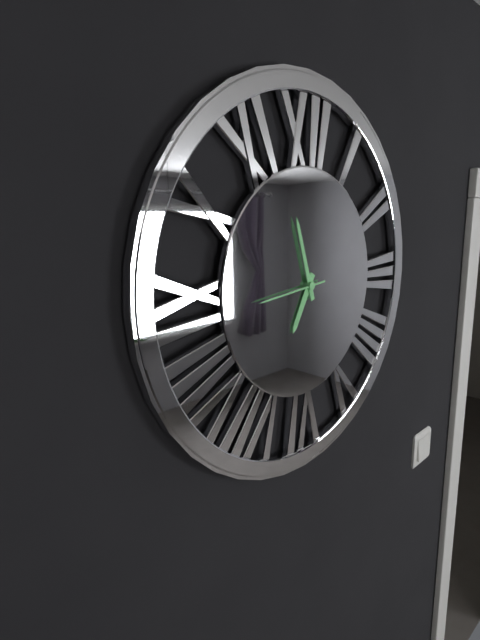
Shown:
6 h 57 min 44 s
